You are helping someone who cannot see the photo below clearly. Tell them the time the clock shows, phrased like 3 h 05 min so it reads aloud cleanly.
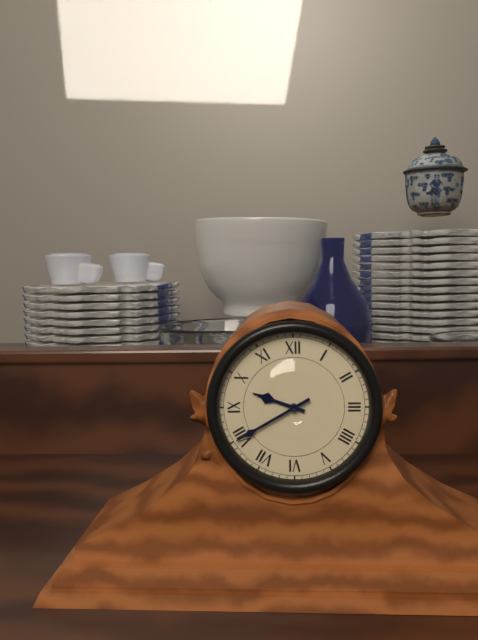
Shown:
9 h 40 min
